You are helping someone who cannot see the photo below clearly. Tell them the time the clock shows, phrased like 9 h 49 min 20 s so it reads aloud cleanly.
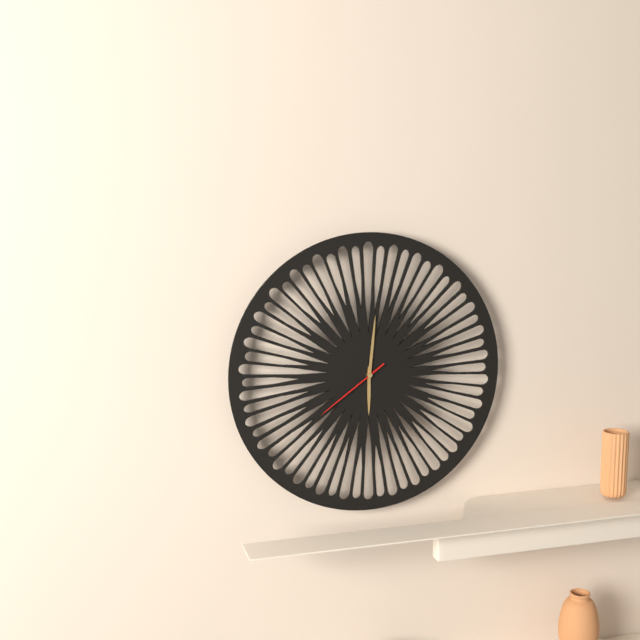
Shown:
6 h 01 min 39 s
